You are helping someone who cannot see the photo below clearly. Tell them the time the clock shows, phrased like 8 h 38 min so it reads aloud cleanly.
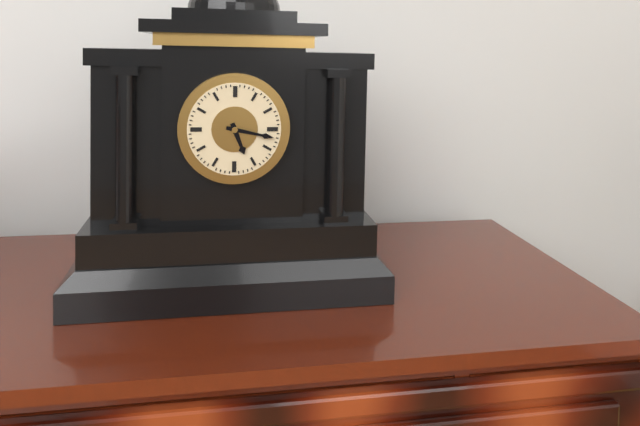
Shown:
5 h 17 min
